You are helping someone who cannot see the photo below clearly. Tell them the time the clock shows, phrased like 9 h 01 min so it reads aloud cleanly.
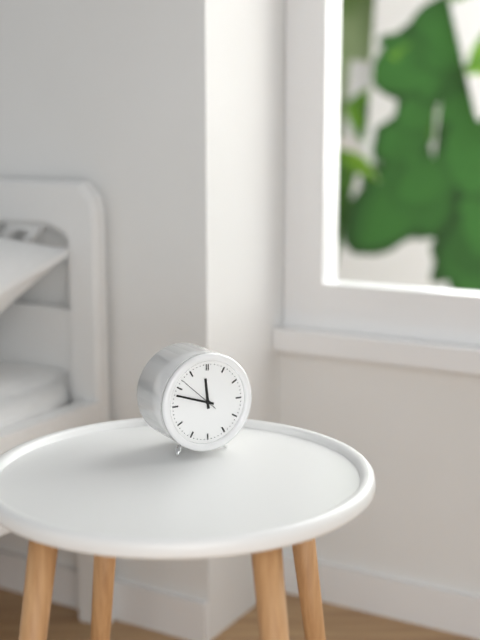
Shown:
11 h 48 min
